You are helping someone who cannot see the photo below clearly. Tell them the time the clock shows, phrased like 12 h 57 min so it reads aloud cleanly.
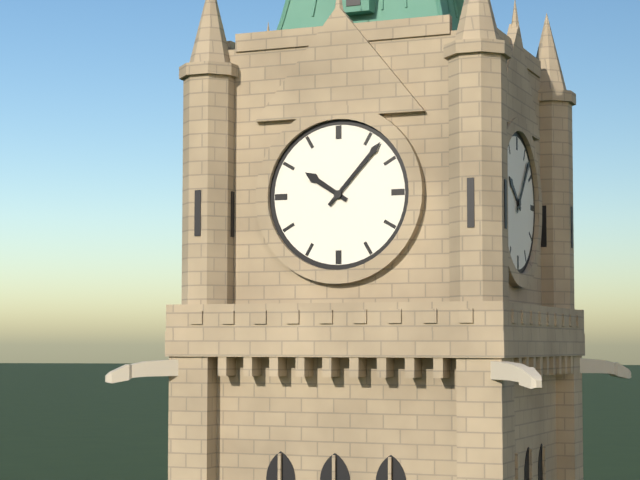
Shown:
10 h 07 min
